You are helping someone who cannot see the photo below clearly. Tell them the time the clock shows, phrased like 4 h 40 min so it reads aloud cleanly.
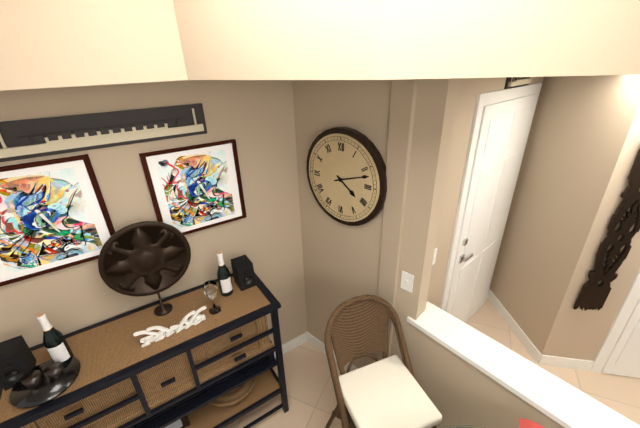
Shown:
4 h 12 min
